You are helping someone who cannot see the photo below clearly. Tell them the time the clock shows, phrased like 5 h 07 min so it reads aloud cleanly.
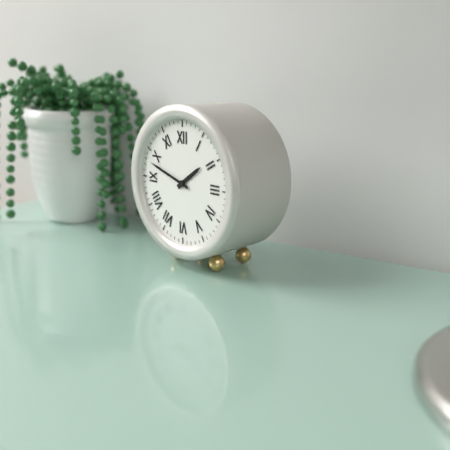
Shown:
1 h 48 min
